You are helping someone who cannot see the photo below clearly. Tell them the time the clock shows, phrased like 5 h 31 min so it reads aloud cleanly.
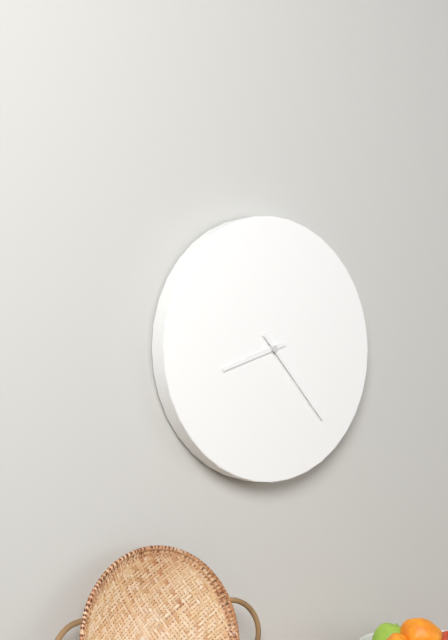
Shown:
8 h 23 min
